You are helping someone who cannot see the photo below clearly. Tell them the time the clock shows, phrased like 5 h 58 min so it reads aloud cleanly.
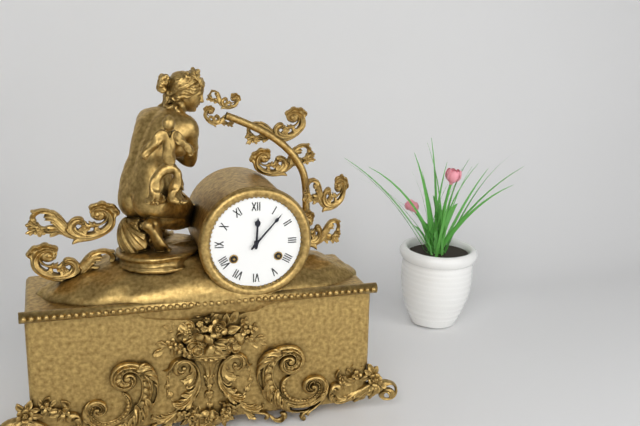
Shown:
12 h 07 min
